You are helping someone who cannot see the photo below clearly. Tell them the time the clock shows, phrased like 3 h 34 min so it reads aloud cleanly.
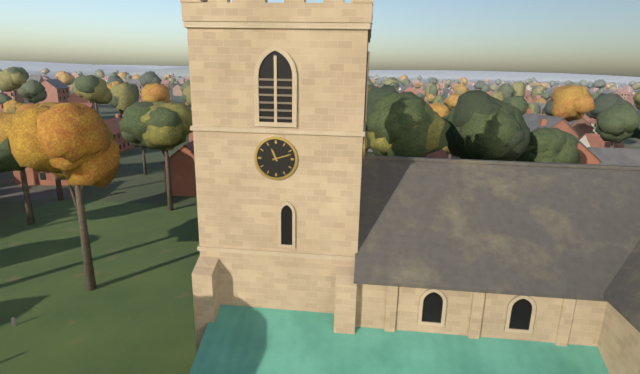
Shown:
11 h 12 min
